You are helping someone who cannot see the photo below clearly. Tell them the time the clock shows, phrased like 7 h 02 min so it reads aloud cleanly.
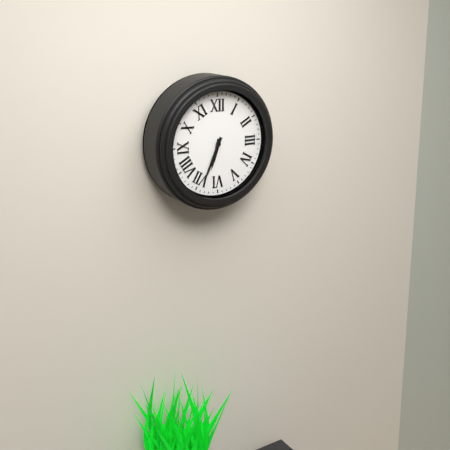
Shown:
6 h 34 min
